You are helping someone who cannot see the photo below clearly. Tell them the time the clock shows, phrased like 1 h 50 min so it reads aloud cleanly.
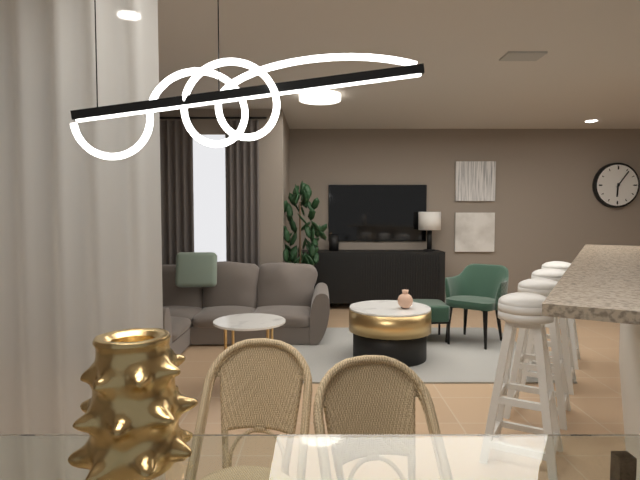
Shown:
6 h 06 min
